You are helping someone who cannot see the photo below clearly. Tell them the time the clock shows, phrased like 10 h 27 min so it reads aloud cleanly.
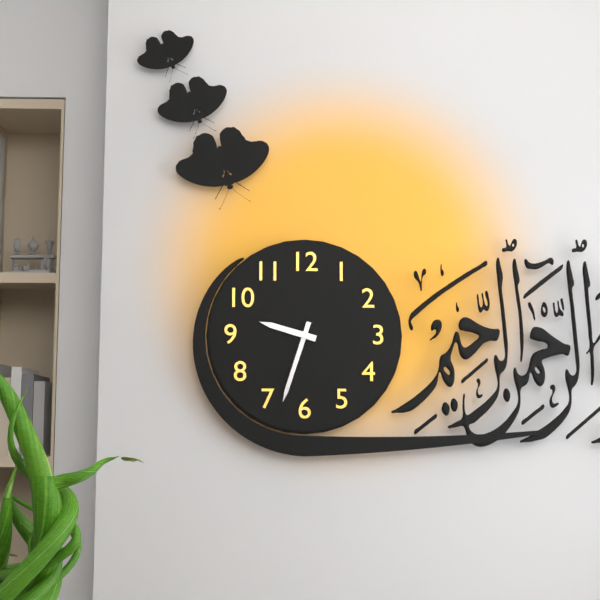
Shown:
9 h 33 min
